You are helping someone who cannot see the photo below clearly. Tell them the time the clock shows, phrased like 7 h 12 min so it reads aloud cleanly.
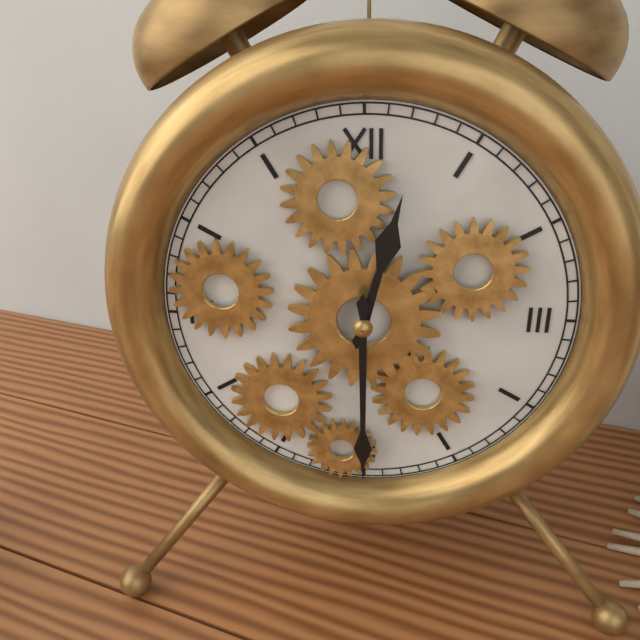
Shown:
12 h 30 min
